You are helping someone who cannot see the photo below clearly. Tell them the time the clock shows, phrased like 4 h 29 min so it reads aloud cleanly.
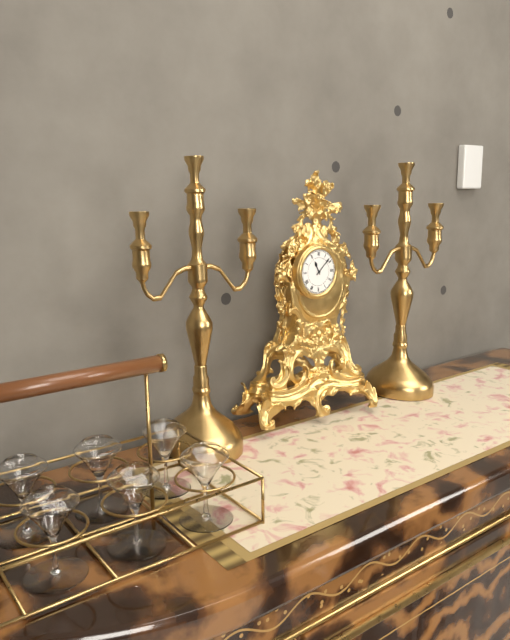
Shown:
11 h 08 min
